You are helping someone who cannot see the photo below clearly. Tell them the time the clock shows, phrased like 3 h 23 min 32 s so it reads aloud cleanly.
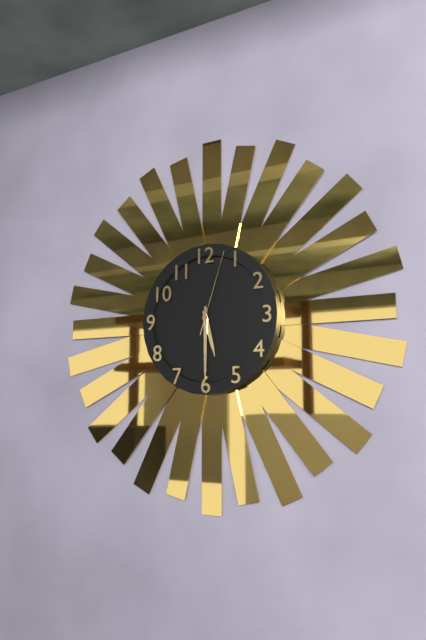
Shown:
5 h 30 min 03 s
